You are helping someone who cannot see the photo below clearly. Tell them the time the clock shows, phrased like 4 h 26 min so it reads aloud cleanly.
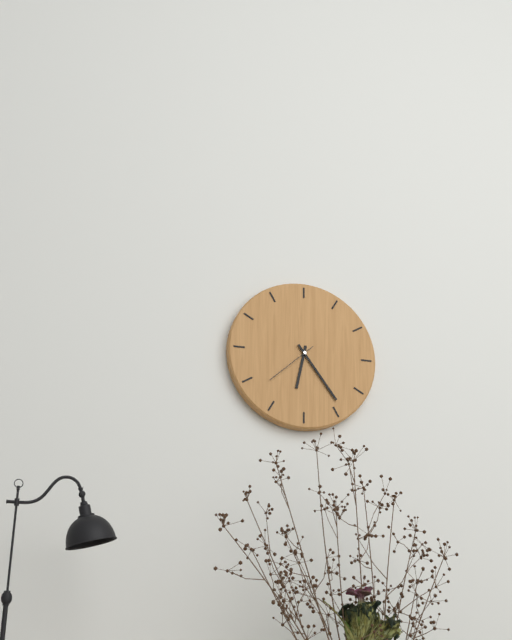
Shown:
6 h 24 min
